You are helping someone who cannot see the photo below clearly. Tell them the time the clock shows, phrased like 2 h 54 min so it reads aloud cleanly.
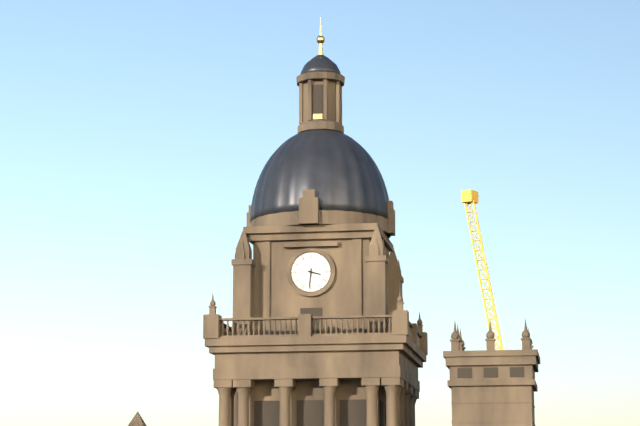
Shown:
3 h 31 min
